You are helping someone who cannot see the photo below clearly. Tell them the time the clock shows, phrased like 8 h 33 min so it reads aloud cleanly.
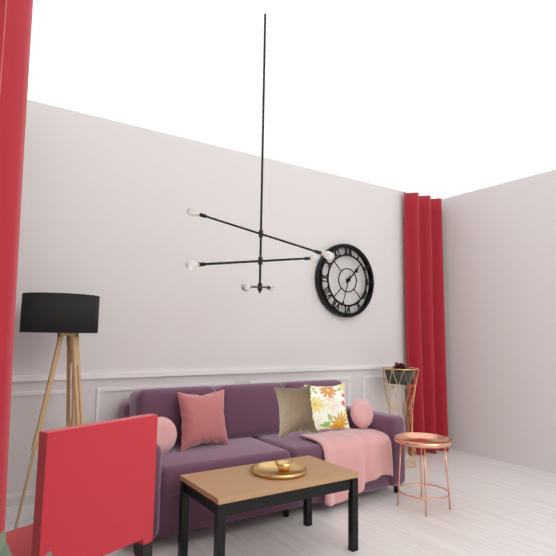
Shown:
1 h 33 min
